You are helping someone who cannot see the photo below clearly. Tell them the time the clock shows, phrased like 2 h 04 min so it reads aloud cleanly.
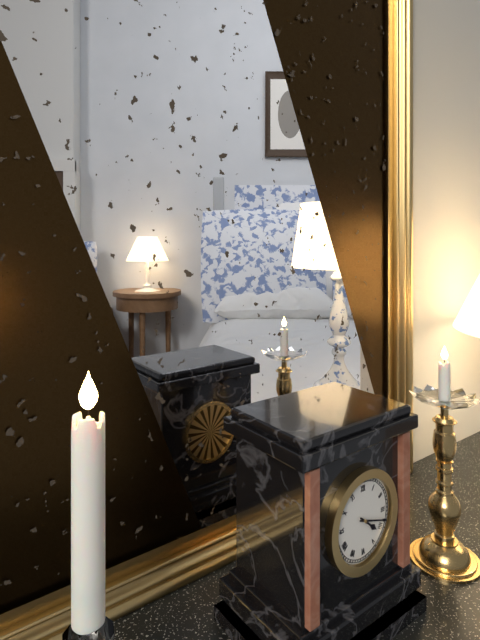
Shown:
4 h 18 min
